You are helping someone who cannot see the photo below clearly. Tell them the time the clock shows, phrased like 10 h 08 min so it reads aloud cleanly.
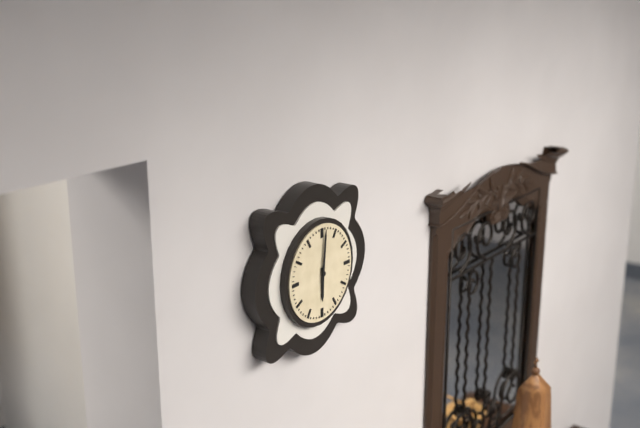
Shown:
6 h 01 min
